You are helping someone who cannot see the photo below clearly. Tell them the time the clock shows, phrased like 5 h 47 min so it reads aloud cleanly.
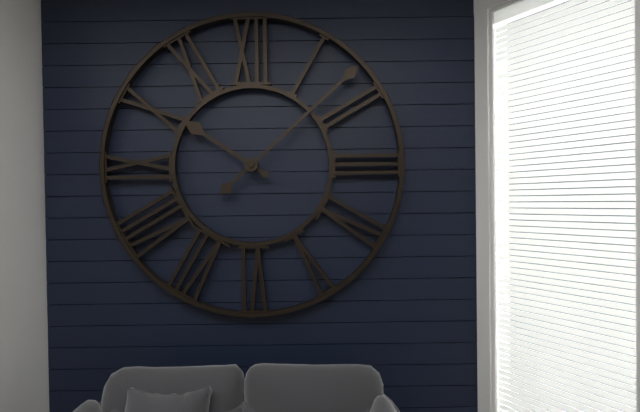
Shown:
10 h 08 min
